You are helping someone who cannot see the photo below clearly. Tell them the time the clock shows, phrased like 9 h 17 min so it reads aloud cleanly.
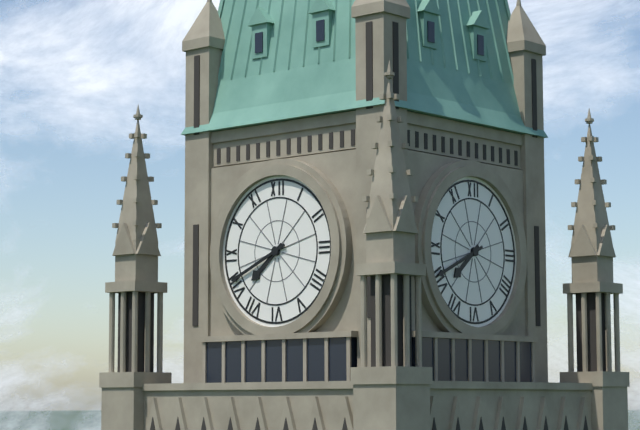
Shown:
7 h 41 min
